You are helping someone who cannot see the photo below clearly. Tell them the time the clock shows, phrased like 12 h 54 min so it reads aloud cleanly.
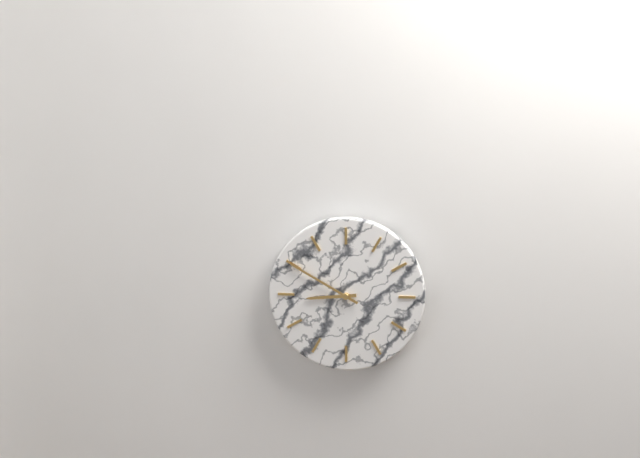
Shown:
8 h 50 min
